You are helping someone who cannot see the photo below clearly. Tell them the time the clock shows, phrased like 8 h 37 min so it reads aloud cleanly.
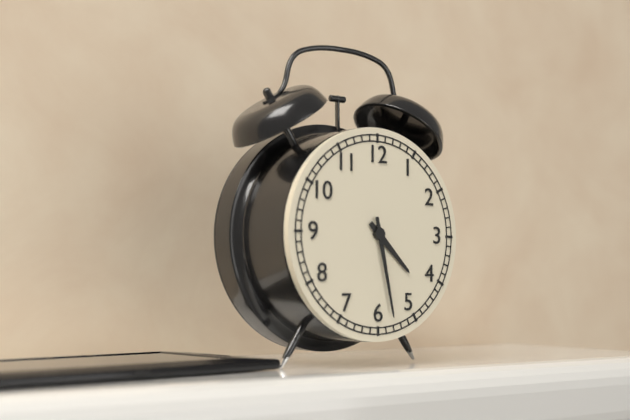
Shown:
4 h 28 min
